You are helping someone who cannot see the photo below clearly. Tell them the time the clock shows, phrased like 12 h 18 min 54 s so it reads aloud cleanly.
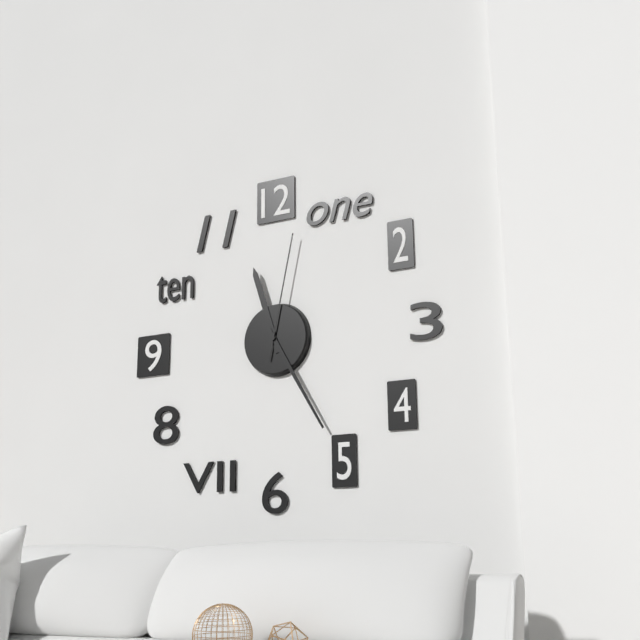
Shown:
11 h 25 min 02 s
